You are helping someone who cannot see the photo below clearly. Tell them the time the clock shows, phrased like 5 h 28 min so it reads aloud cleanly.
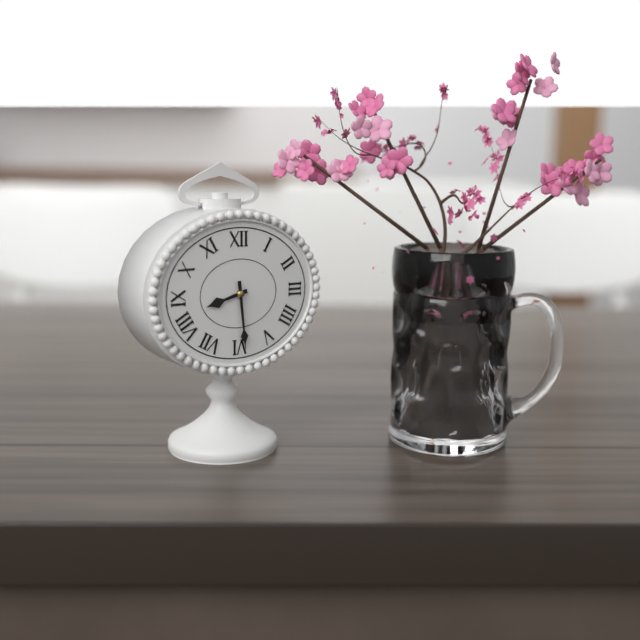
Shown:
8 h 29 min
